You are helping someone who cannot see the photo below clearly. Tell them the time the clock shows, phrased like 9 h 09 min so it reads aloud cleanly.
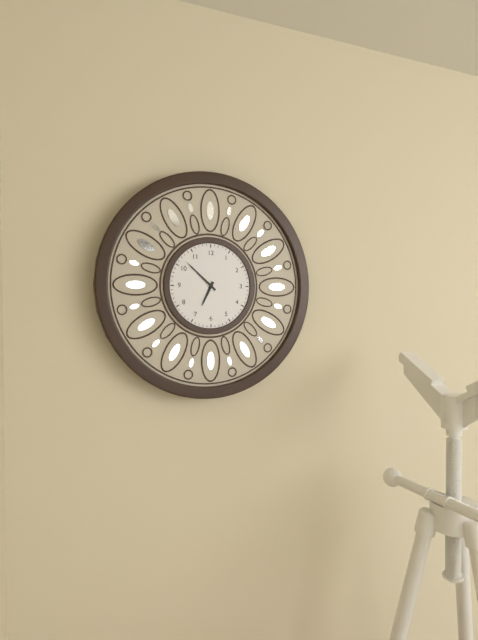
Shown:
6 h 52 min
